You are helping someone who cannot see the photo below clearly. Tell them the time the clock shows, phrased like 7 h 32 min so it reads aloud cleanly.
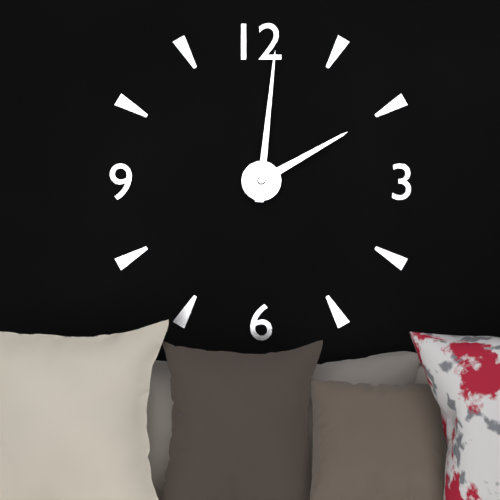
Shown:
2 h 01 min
